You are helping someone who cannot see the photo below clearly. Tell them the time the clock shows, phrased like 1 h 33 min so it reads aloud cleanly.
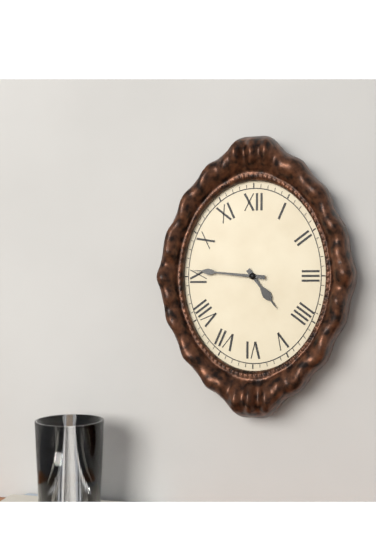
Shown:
4 h 46 min
